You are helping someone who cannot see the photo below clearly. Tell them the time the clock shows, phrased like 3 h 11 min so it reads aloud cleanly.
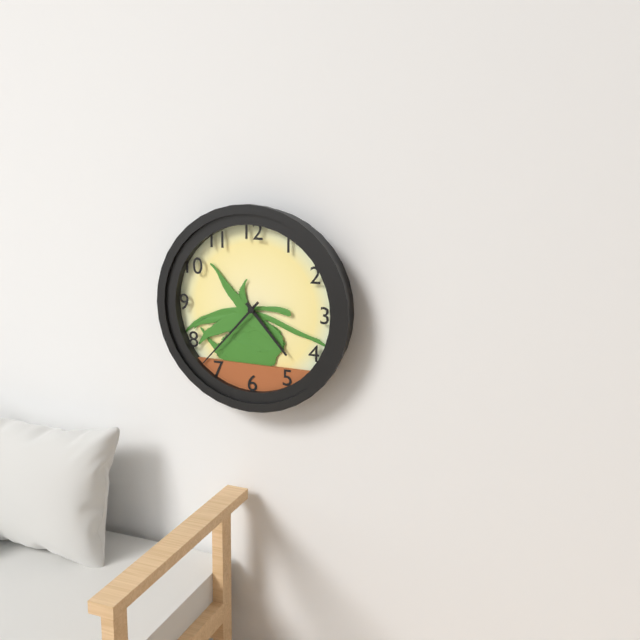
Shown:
4 h 37 min
